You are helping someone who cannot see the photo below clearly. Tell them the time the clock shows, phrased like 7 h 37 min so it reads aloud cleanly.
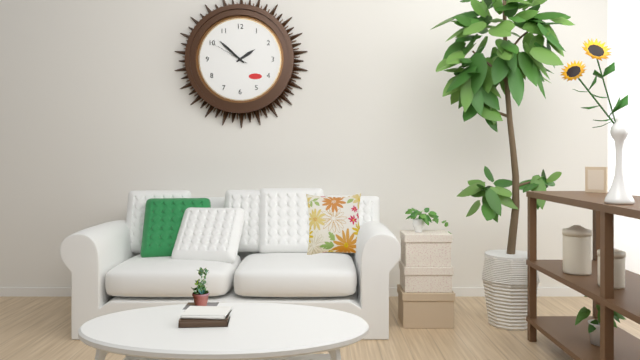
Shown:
1 h 52 min
